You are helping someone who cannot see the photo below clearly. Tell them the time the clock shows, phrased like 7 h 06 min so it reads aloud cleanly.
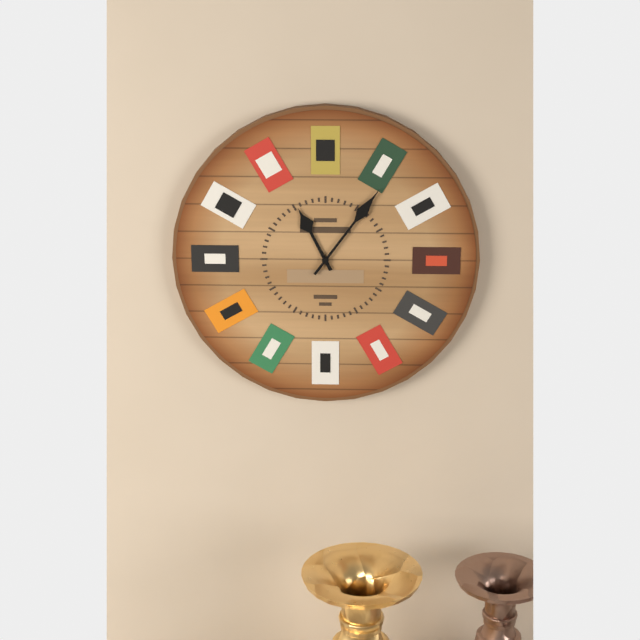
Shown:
11 h 06 min
